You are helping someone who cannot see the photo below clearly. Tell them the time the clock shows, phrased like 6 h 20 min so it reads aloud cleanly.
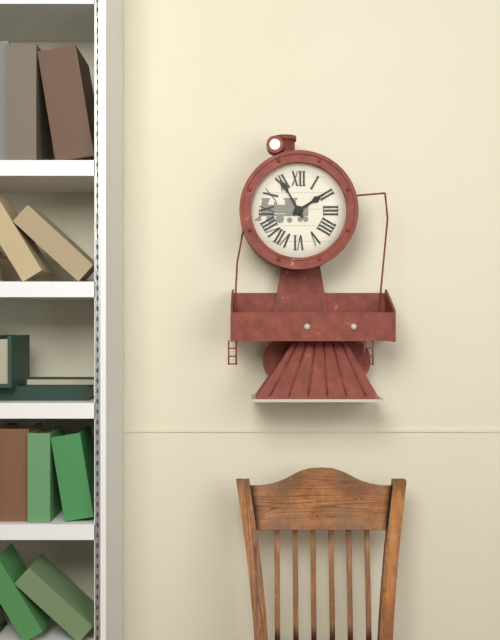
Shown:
1 h 55 min
